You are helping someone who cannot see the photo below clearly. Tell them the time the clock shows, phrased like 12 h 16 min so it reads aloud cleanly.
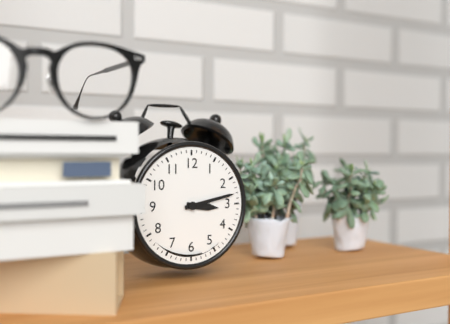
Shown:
3 h 13 min
